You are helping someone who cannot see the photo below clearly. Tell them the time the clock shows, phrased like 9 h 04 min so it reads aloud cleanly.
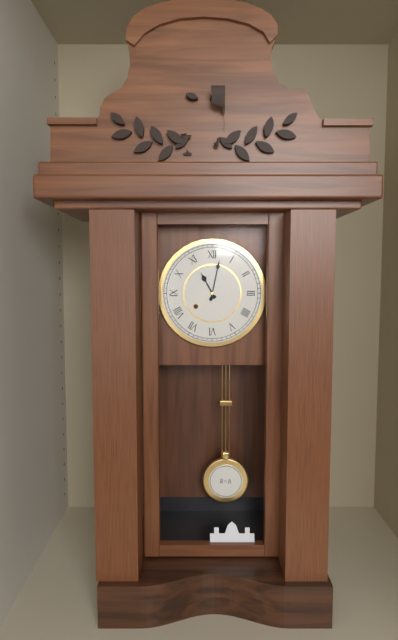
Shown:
11 h 02 min
